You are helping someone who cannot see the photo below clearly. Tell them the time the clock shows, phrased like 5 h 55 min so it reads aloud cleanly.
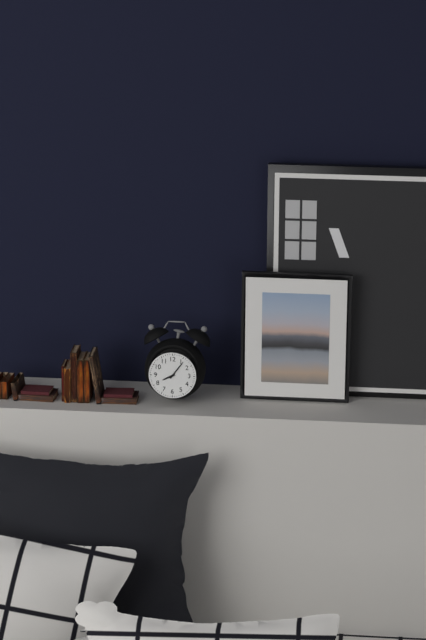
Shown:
8 h 06 min
